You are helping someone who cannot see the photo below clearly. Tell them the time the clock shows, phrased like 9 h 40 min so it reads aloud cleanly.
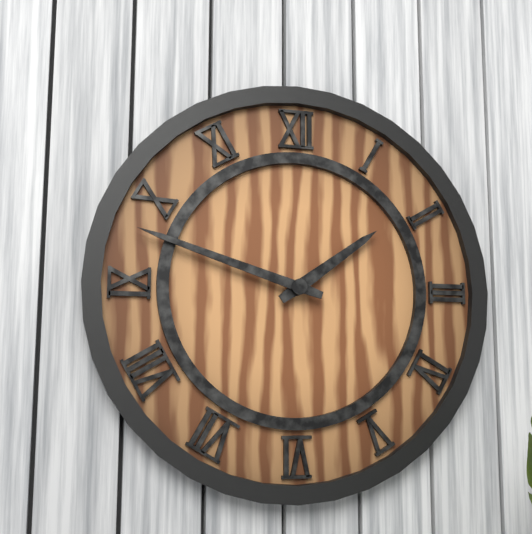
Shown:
1 h 48 min
